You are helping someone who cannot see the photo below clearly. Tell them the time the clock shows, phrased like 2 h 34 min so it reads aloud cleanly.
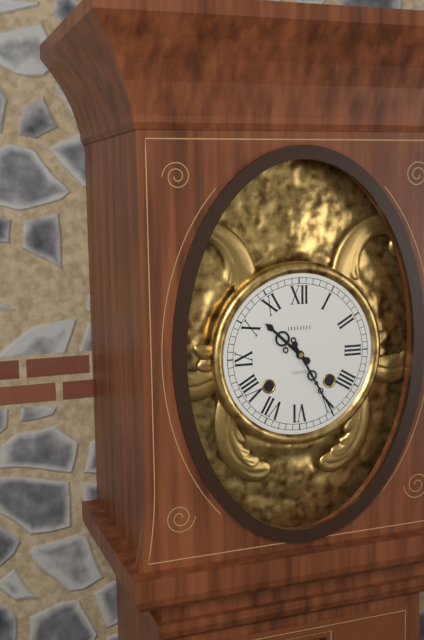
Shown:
10 h 25 min
